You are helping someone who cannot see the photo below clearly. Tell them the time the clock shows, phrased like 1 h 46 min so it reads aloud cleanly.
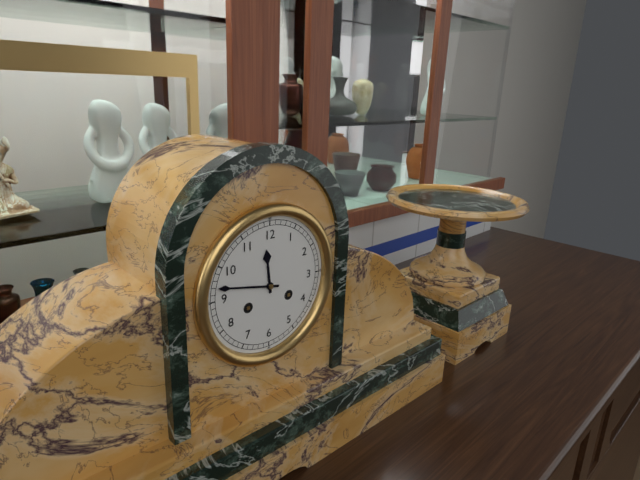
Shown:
11 h 47 min
